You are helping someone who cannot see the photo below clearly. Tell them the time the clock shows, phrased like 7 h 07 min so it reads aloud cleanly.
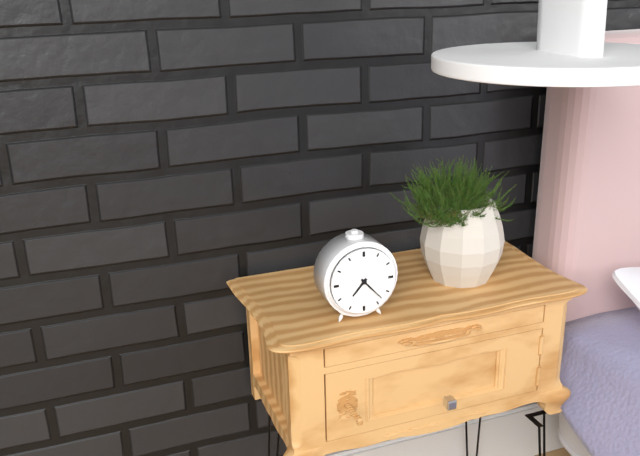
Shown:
7 h 23 min
